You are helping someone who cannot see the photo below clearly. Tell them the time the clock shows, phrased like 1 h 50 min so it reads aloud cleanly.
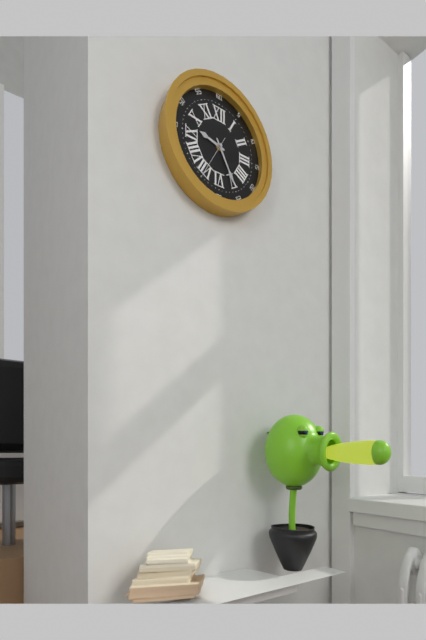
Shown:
9 h 25 min
